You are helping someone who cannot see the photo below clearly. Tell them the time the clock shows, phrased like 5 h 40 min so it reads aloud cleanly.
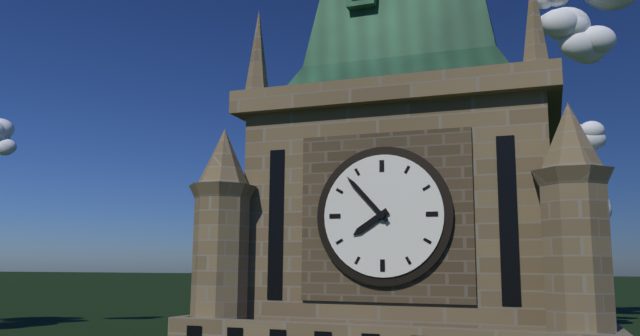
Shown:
7 h 53 min
